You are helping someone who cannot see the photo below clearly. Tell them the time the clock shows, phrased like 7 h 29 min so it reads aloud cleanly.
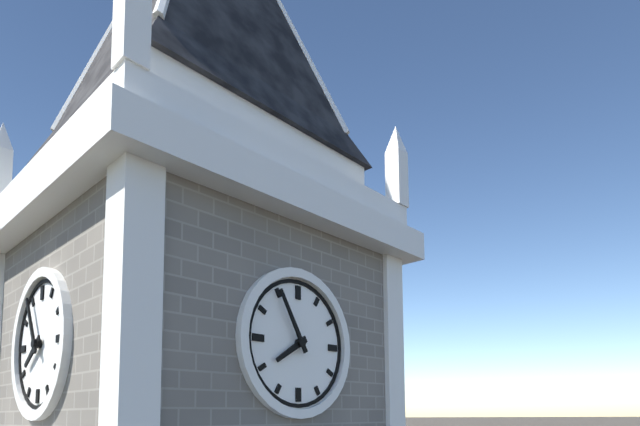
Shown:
7 h 55 min
